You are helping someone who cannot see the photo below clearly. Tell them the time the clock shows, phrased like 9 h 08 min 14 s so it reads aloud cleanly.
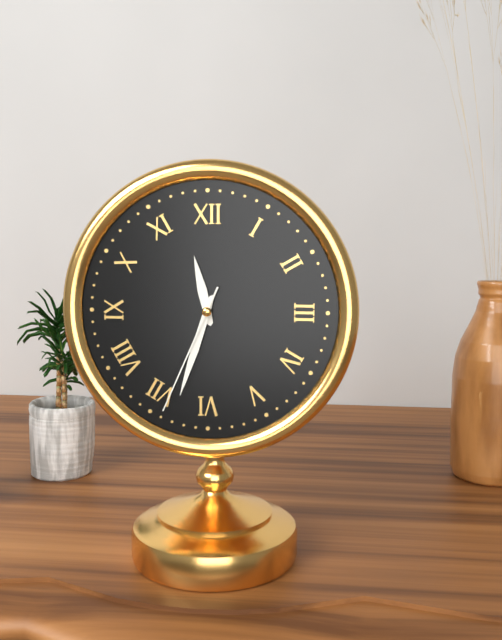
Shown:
11 h 33 min 34 s
